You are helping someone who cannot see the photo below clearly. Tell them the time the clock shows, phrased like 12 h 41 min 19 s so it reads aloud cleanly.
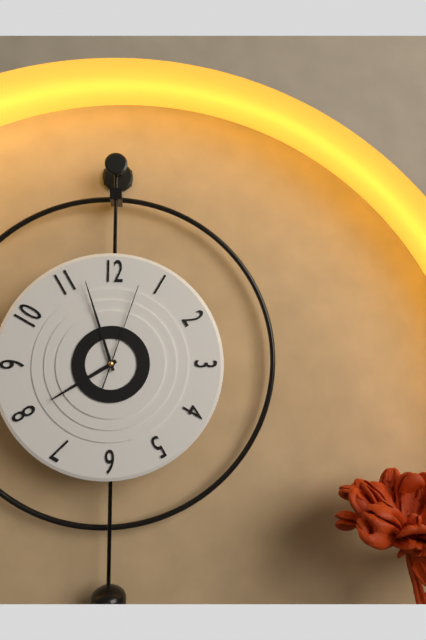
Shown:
7 h 57 min 03 s
